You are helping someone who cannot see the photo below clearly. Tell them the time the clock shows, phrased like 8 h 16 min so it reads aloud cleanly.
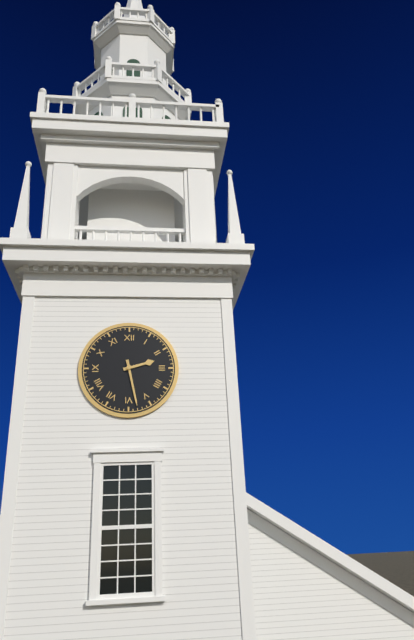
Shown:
2 h 28 min
